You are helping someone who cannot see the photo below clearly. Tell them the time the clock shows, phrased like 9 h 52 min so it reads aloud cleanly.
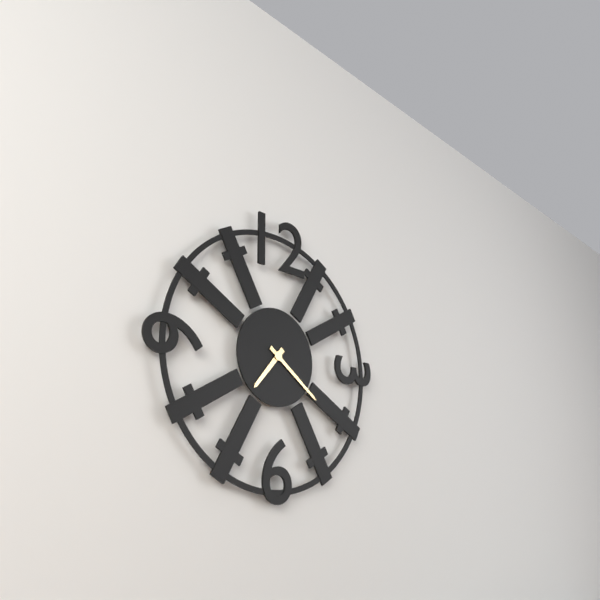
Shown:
7 h 21 min
